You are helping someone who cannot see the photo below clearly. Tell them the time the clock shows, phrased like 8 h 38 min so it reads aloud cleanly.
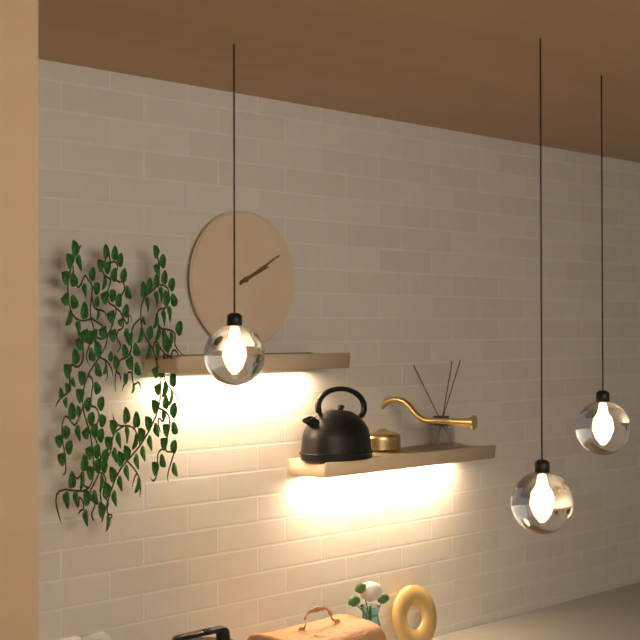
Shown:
2 h 10 min
